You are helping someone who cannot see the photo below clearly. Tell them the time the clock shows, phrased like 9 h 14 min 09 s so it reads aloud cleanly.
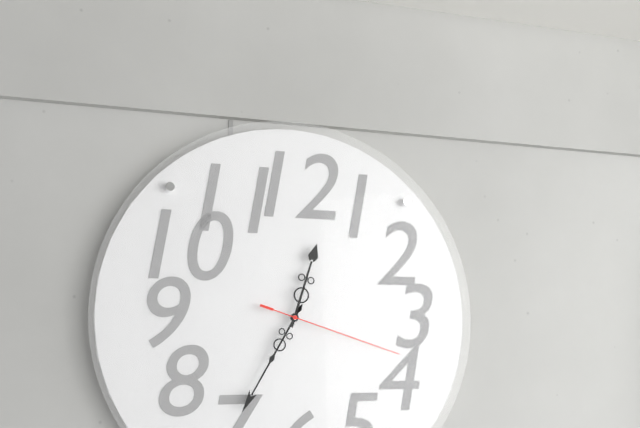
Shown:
12 h 35 min 18 s
